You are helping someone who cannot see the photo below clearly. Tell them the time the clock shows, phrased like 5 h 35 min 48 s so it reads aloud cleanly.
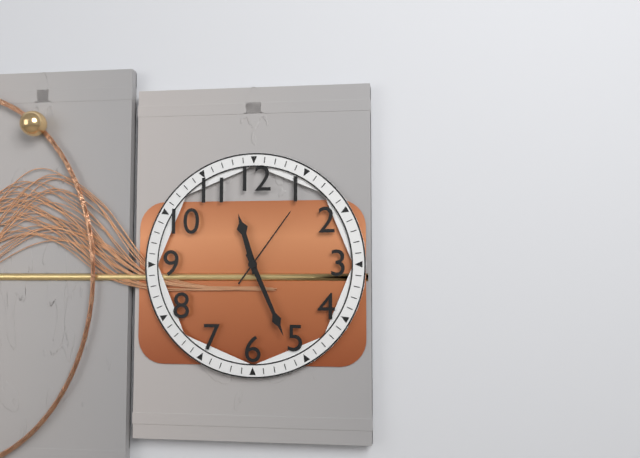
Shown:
11 h 26 min 06 s
